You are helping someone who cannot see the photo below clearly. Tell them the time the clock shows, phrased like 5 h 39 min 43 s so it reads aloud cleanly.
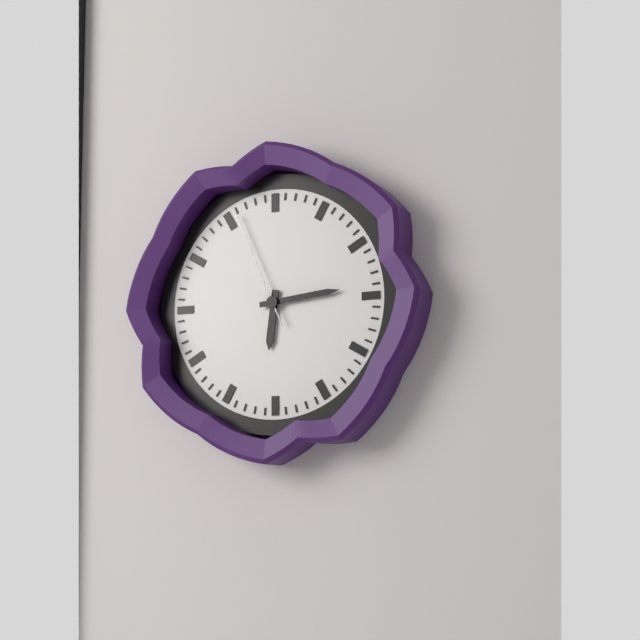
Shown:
6 h 14 min 56 s
